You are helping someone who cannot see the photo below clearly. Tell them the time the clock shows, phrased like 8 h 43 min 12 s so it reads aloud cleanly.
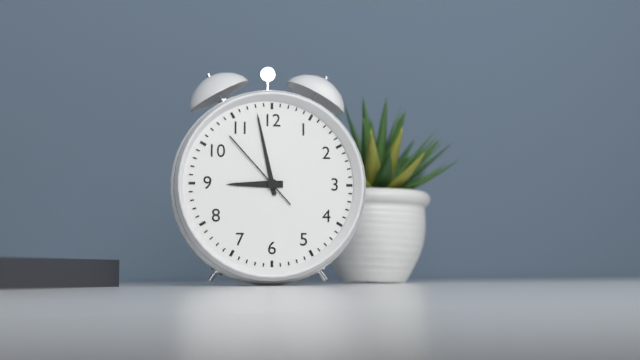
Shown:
8 h 58 min 53 s
